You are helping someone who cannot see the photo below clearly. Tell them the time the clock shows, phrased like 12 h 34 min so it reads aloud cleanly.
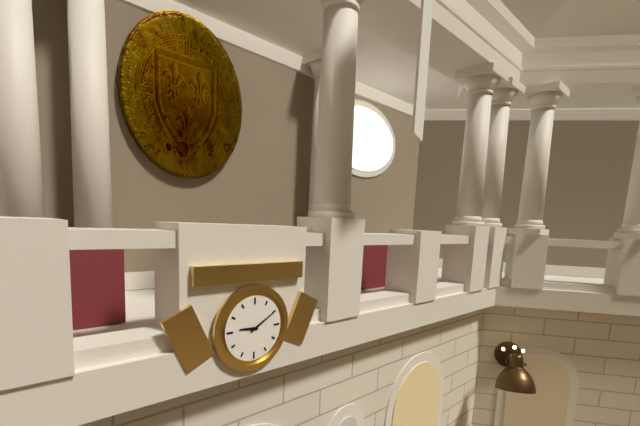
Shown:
9 h 10 min
